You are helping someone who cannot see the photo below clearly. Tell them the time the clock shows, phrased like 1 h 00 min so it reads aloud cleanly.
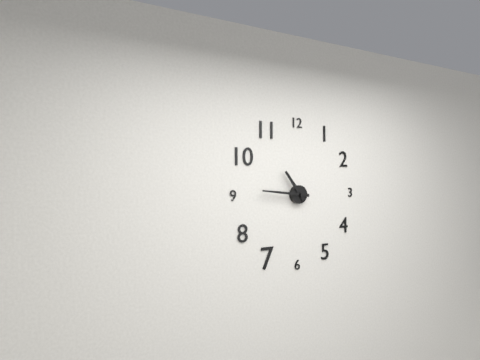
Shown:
10 h 46 min
